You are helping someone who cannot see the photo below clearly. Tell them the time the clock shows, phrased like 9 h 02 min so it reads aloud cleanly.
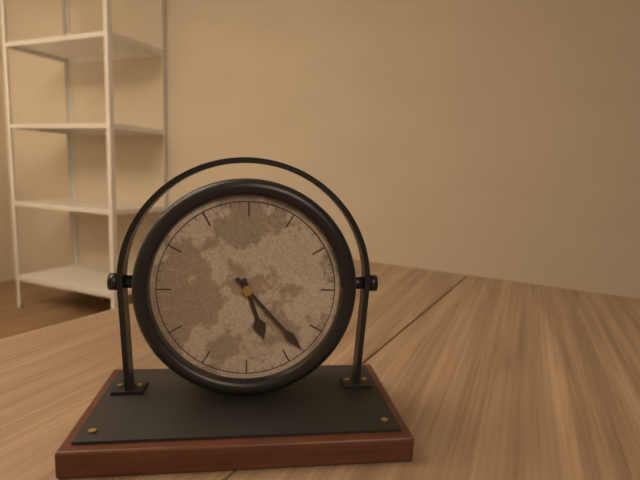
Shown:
5 h 23 min
